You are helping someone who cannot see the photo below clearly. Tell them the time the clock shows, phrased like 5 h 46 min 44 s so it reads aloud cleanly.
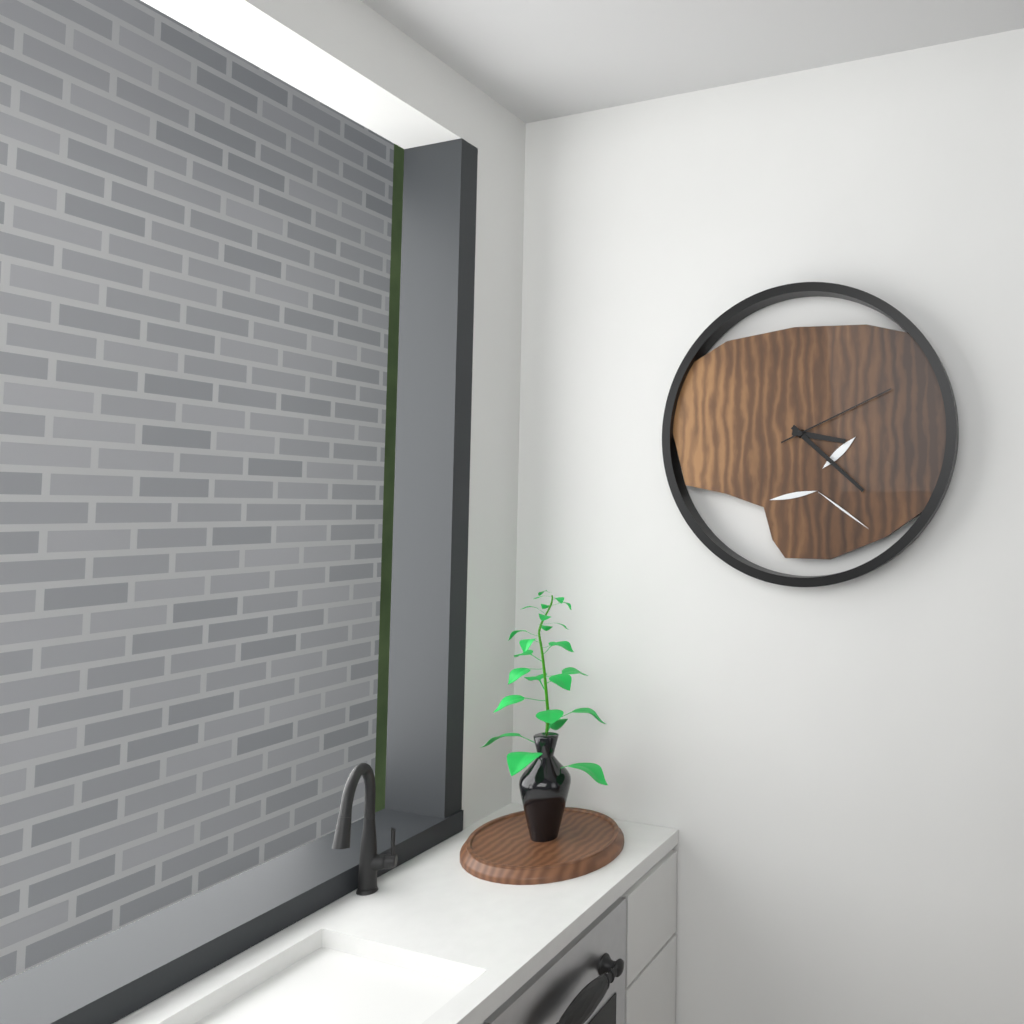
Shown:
3 h 22 min 11 s
